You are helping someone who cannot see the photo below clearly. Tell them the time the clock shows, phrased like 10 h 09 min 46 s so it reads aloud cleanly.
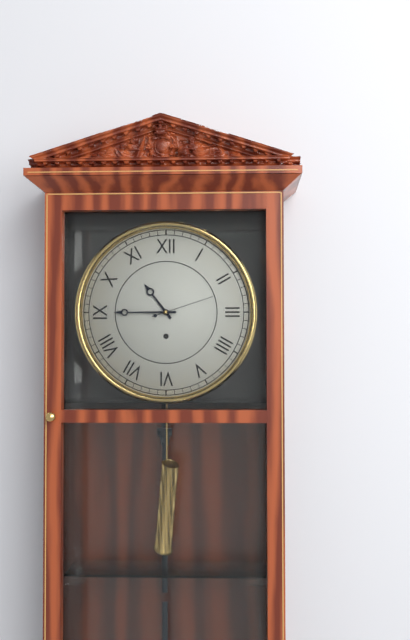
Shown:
10 h 45 min 12 s
